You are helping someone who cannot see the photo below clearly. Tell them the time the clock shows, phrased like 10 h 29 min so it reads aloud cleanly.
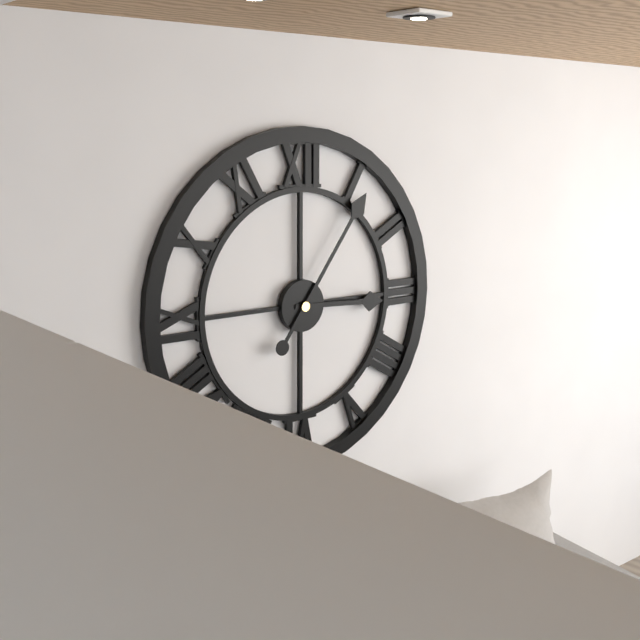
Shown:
3 h 06 min
